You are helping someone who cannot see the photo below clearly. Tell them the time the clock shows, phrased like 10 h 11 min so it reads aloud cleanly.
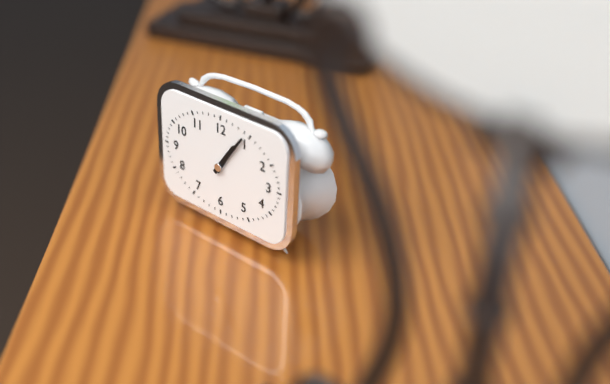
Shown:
1 h 06 min
